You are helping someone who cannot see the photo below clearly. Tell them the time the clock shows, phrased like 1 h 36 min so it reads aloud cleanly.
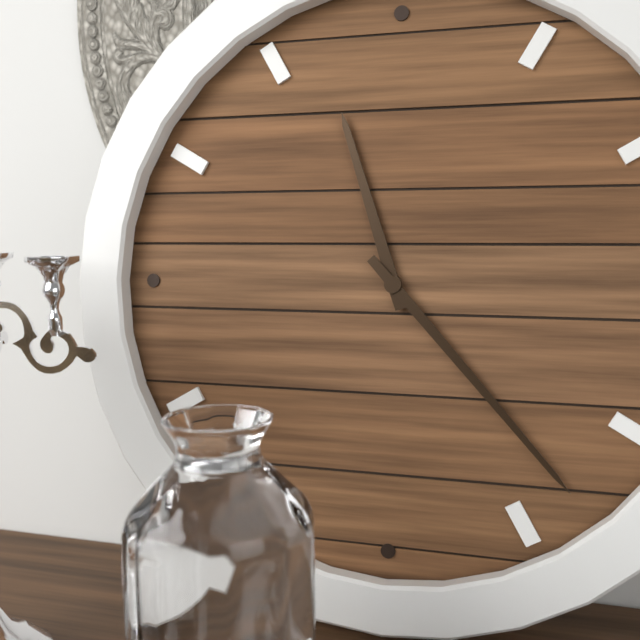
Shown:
11 h 23 min
